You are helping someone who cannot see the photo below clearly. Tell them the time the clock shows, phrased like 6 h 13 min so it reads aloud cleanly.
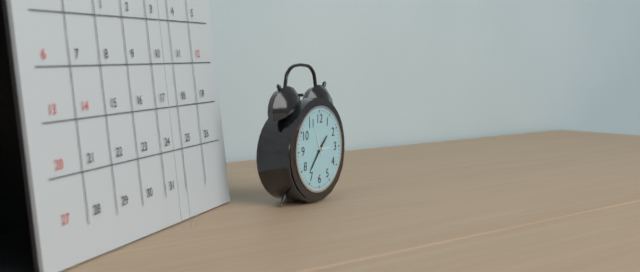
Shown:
1 h 37 min
